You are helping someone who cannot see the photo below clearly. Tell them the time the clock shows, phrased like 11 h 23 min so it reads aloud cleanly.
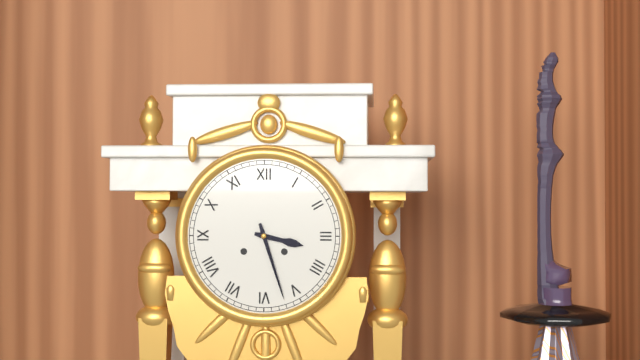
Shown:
3 h 27 min
